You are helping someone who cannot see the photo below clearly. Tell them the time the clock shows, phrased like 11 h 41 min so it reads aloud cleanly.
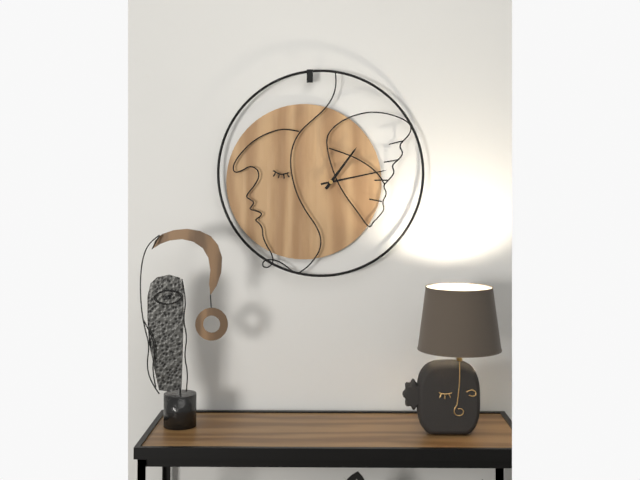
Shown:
1 h 13 min
